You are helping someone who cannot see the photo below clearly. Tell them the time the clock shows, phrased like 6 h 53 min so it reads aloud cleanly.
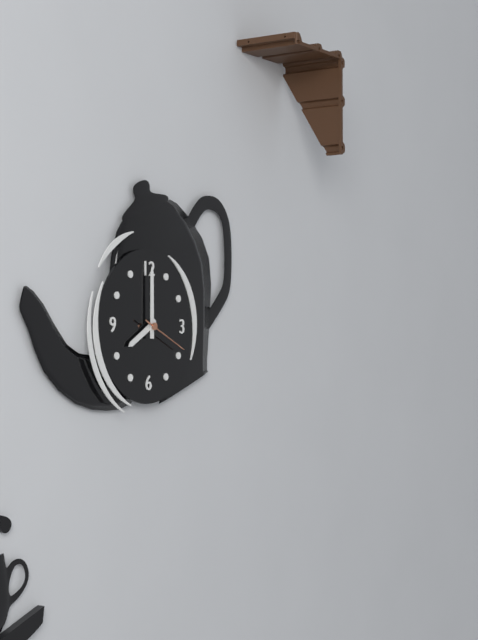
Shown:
8 h 00 min
